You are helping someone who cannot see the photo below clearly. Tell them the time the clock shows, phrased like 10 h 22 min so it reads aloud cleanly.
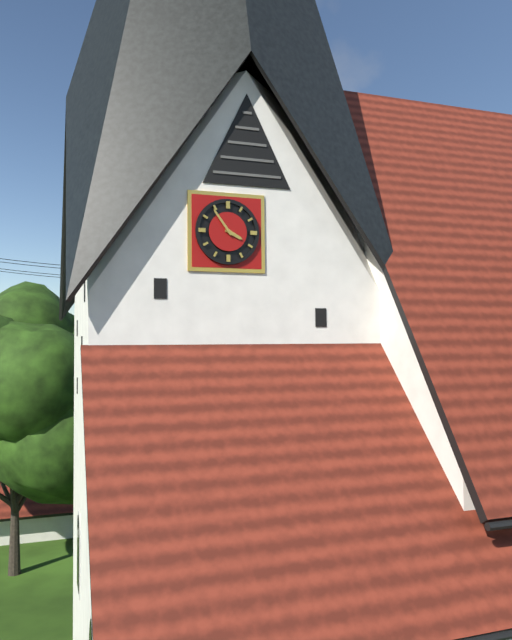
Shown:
3 h 54 min
